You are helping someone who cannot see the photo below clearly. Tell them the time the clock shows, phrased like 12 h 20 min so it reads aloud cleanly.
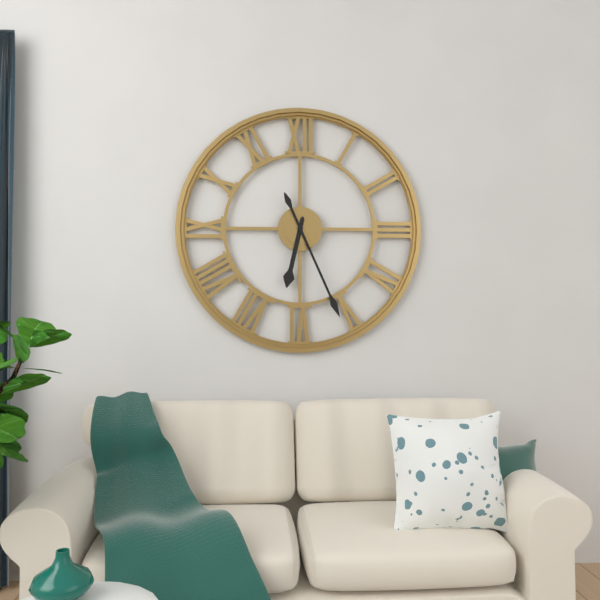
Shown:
6 h 26 min
